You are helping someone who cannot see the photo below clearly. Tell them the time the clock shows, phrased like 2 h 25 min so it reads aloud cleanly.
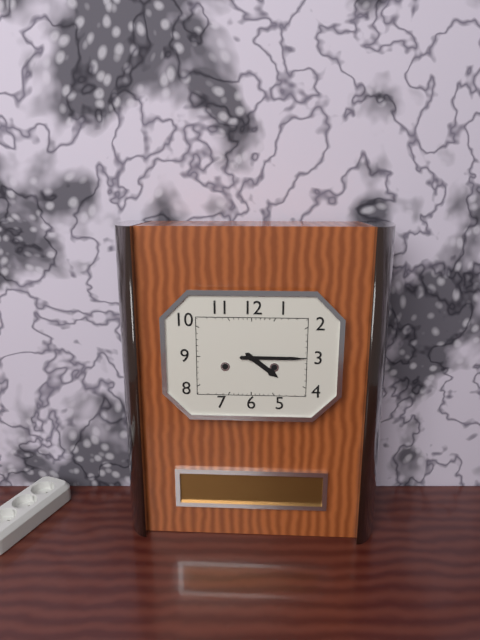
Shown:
4 h 15 min
